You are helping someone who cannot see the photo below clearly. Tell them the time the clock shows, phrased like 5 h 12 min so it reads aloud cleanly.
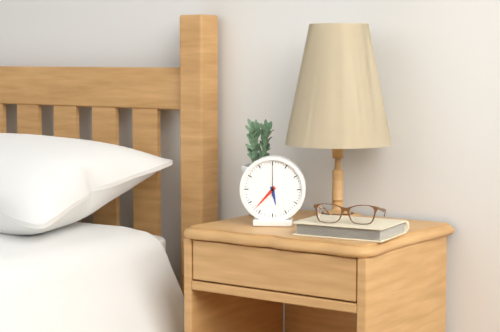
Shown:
5 h 37 min
